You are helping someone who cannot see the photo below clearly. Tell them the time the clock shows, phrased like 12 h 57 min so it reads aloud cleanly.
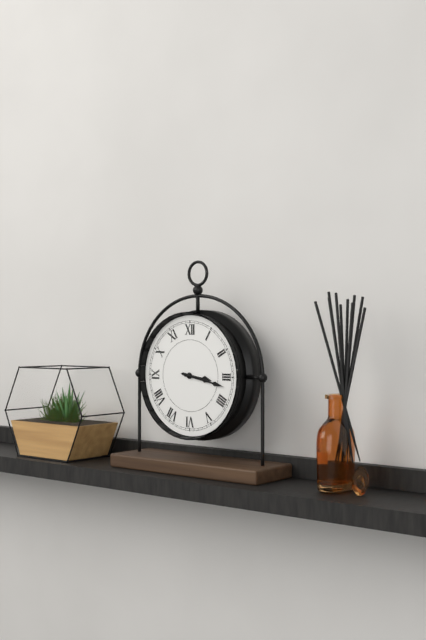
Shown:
3 h 17 min
